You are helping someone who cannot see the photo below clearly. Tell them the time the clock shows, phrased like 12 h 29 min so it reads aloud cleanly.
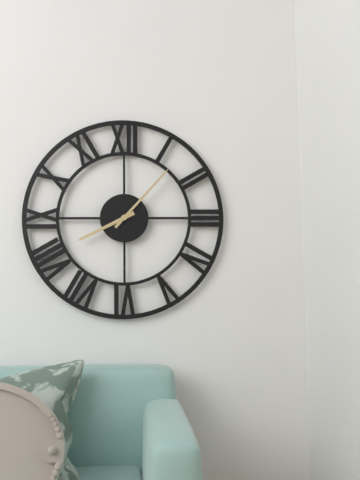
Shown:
8 h 07 min
